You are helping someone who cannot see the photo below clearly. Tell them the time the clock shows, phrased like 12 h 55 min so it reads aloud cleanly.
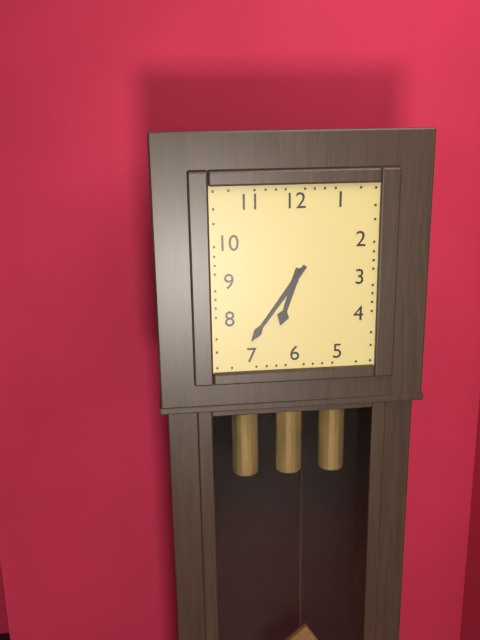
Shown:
6 h 36 min
